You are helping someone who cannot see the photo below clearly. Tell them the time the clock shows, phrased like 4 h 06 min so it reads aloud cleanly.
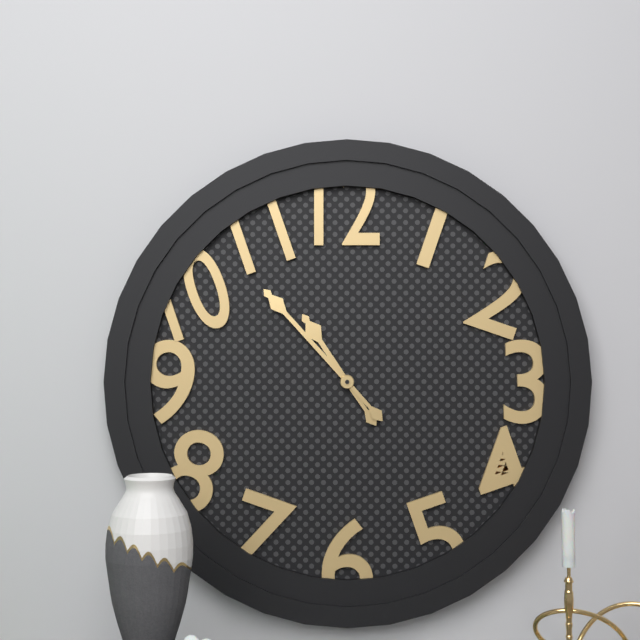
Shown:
10 h 53 min
